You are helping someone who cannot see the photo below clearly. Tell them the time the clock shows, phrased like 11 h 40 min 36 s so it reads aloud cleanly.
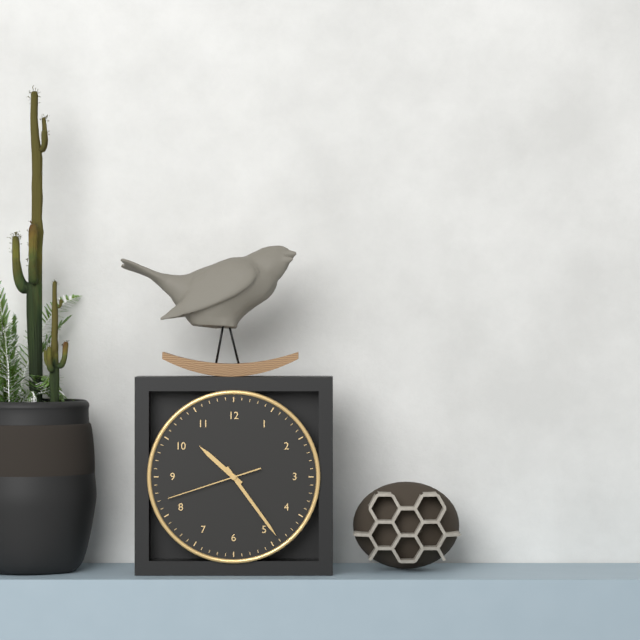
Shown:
10 h 24 min 42 s
